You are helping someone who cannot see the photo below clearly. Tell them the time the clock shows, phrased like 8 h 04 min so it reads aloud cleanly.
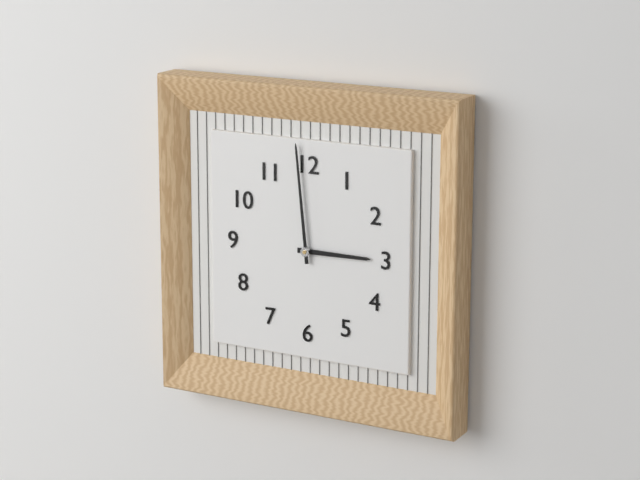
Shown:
2 h 59 min
